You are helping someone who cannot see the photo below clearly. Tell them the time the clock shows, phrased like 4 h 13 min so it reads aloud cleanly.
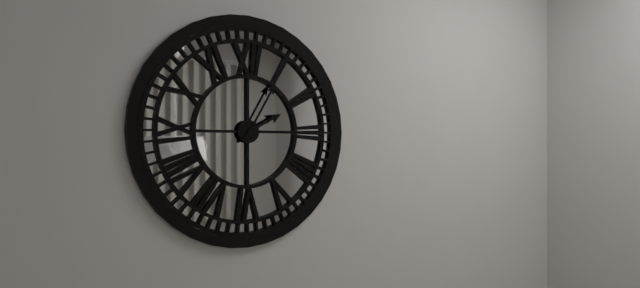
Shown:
2 h 05 min
